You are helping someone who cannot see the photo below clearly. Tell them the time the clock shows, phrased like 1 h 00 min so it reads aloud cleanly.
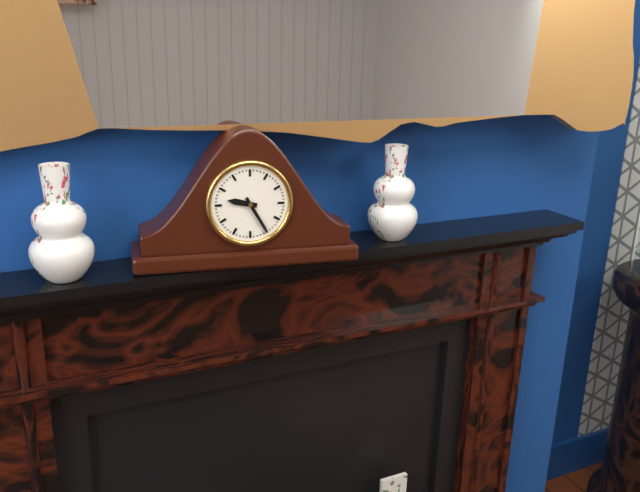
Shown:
9 h 25 min
